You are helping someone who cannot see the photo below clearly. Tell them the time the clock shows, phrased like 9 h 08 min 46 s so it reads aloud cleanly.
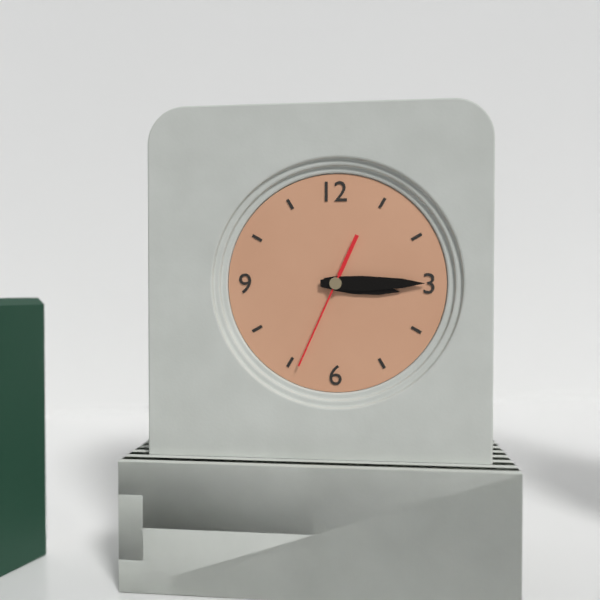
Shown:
3 h 15 min 34 s
